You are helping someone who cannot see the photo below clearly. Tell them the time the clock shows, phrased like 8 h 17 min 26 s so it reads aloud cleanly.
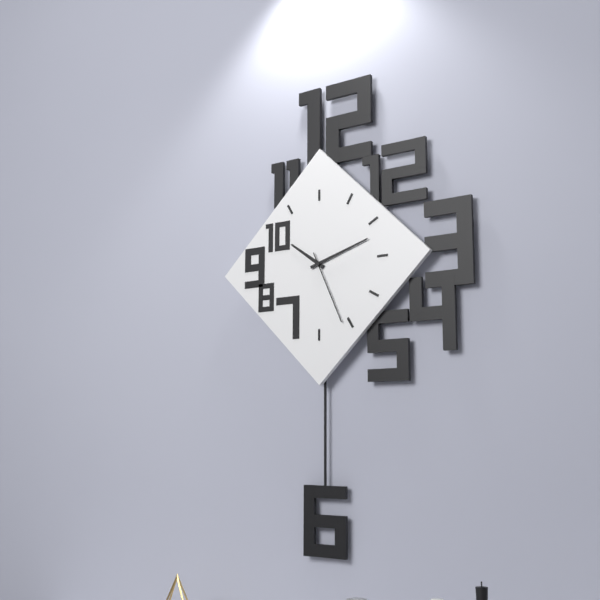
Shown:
10 h 12 min 26 s
